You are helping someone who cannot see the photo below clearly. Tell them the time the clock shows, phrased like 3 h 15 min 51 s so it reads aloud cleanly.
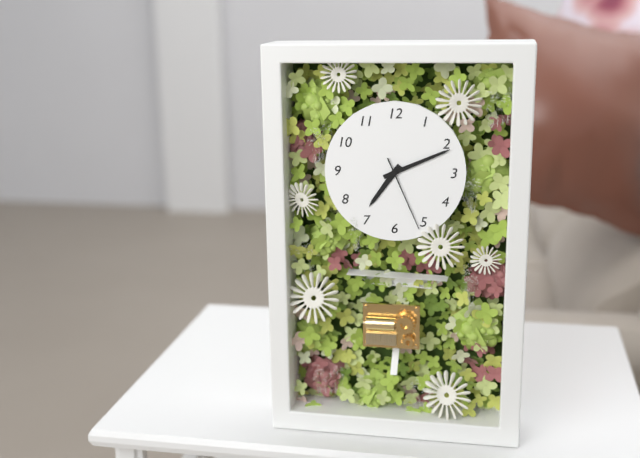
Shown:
7 h 11 min 26 s
